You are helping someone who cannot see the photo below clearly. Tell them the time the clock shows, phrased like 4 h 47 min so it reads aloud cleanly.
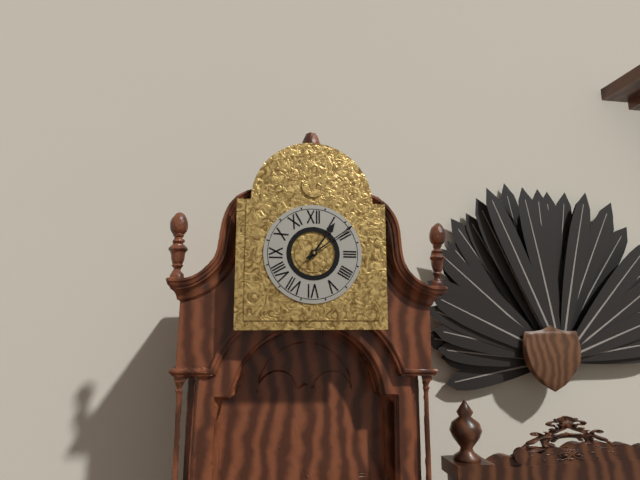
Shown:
1 h 09 min
